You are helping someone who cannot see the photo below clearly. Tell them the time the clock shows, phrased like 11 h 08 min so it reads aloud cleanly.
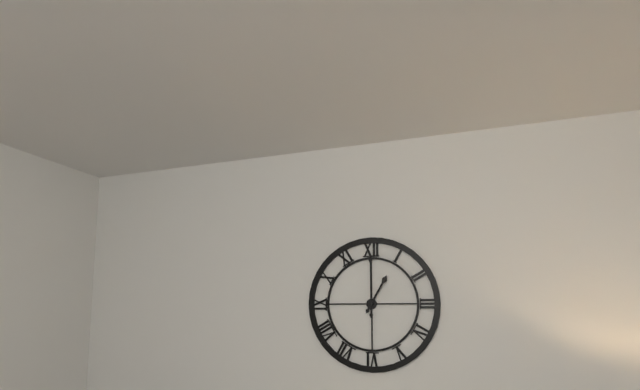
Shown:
1 h 00 min
